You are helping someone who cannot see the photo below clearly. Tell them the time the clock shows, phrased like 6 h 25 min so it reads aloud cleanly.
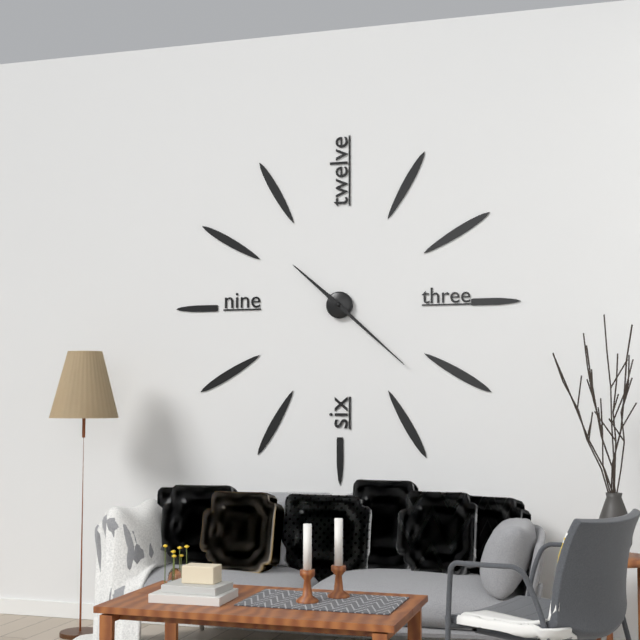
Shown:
10 h 22 min
